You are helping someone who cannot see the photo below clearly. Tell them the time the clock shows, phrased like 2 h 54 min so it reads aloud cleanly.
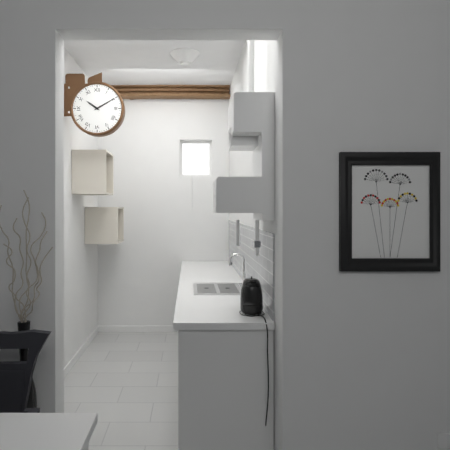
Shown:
10 h 10 min
